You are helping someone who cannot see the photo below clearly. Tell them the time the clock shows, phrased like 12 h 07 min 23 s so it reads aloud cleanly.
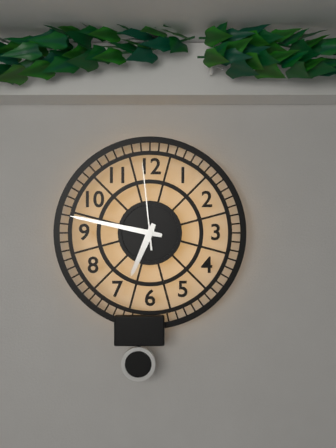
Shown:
6 h 47 min 59 s
